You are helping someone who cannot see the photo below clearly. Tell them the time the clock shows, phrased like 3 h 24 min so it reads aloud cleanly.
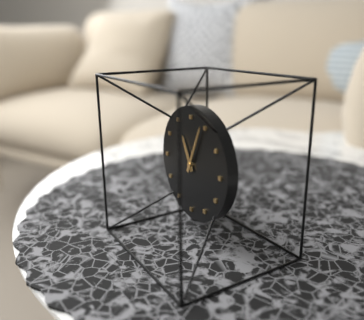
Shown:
11 h 04 min
